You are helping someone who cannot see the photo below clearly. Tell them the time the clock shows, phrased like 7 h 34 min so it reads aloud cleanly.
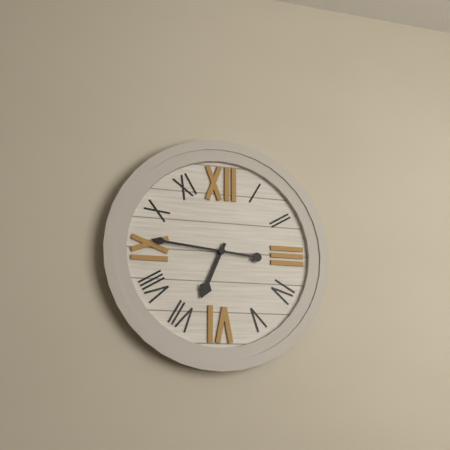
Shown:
6 h 46 min
